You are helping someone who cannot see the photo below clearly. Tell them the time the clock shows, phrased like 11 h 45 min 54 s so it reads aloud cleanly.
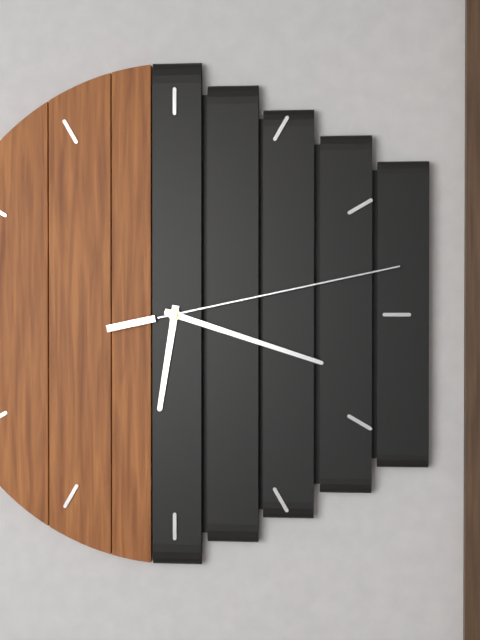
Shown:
6 h 18 min 13 s
